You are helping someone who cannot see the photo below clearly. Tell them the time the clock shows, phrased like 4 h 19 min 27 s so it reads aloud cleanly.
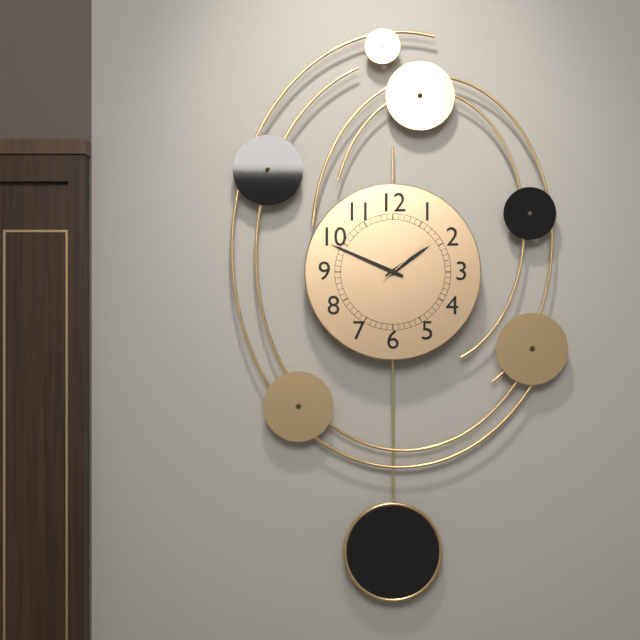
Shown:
1 h 49 min 08 s
